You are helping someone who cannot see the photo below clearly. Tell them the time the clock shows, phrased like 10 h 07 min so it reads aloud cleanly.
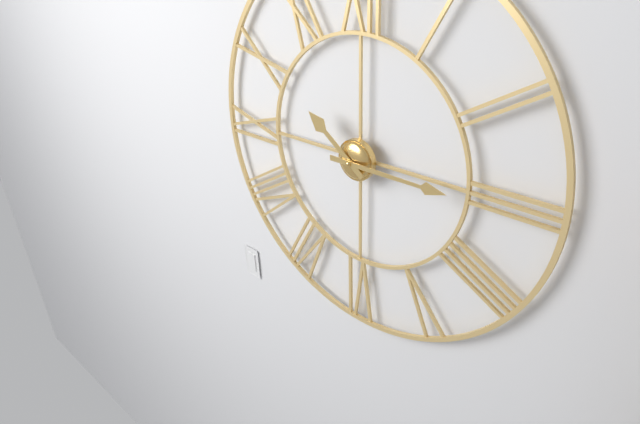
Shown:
10 h 15 min
